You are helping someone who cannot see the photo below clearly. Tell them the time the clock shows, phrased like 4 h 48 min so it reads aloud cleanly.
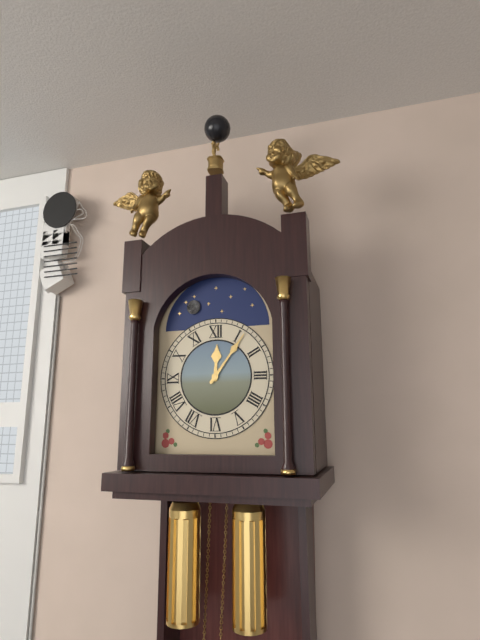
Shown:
12 h 06 min
